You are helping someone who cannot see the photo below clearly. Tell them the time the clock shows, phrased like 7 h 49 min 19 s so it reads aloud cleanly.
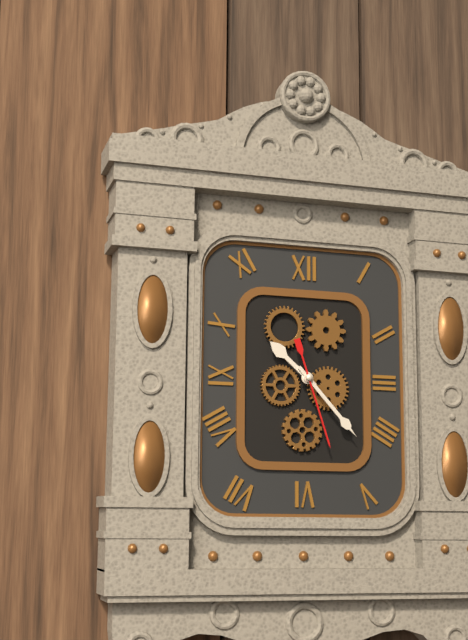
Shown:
10 h 23 min 27 s
